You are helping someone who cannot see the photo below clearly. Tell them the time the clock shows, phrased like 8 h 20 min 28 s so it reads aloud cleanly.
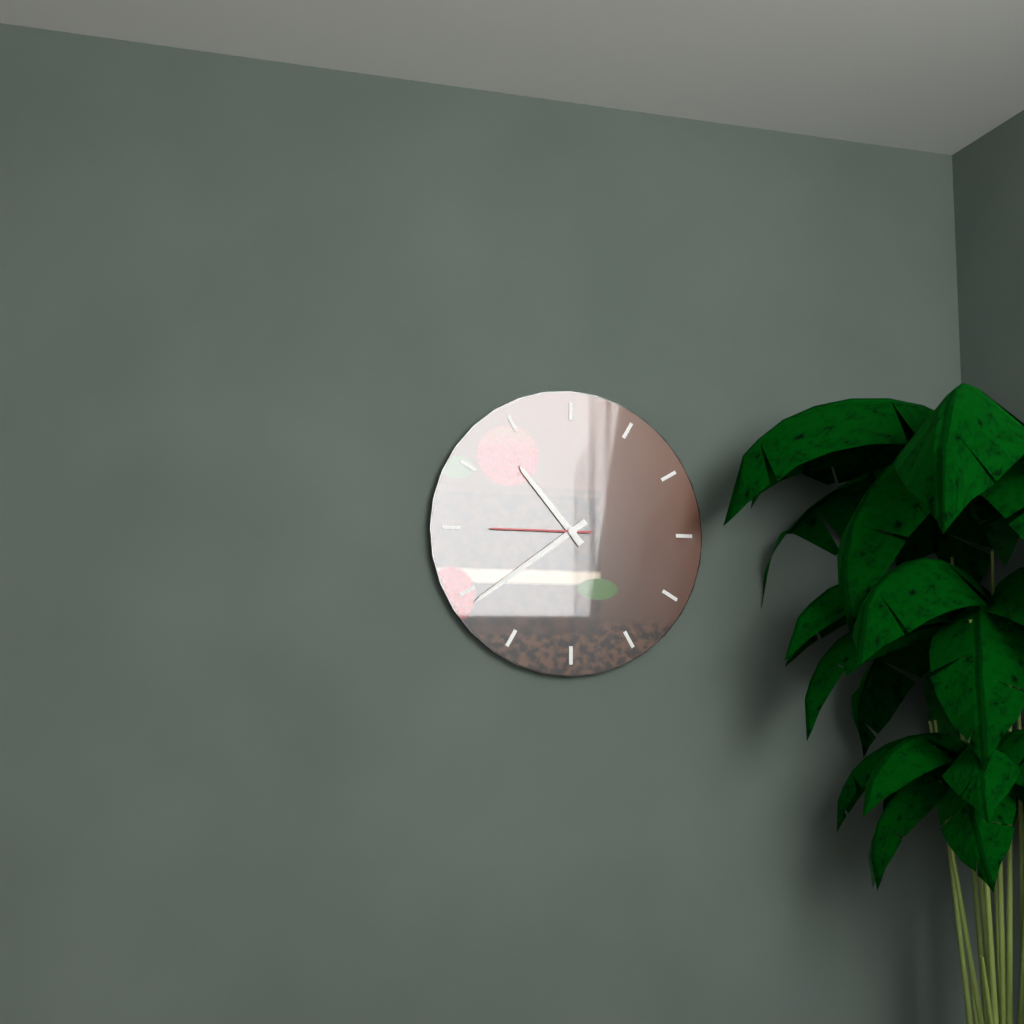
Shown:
10 h 39 min 45 s
